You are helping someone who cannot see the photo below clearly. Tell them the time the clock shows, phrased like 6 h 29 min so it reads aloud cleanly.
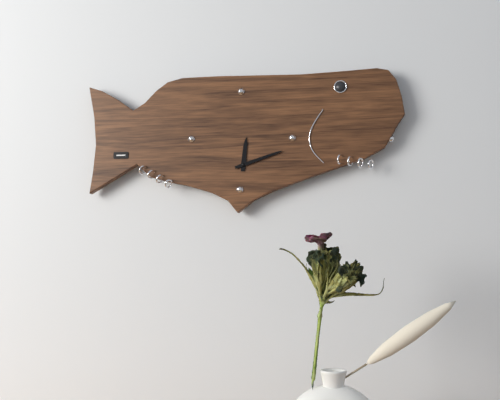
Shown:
12 h 12 min
